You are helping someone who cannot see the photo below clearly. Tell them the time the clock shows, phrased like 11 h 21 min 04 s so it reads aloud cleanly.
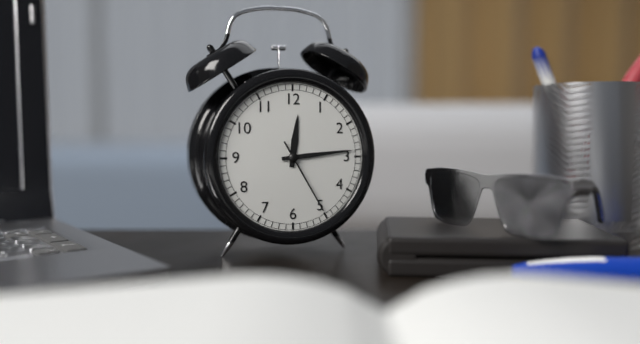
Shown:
12 h 14 min 25 s
